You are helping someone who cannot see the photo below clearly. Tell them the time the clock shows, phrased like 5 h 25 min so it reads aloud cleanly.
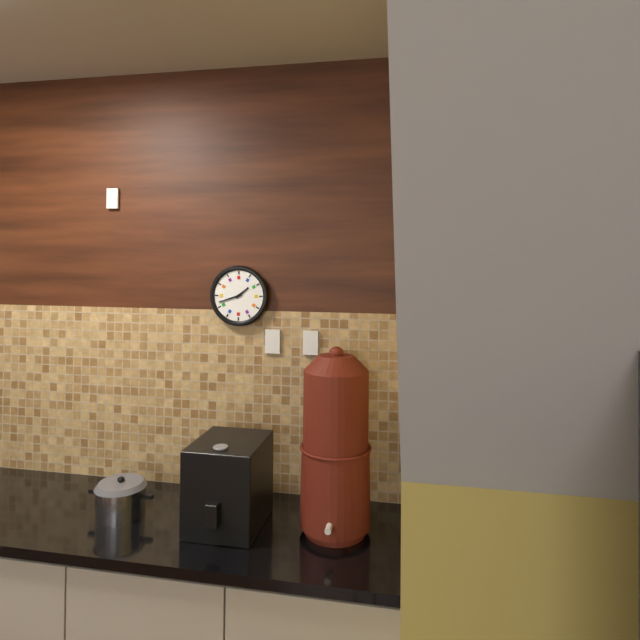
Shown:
1 h 42 min
